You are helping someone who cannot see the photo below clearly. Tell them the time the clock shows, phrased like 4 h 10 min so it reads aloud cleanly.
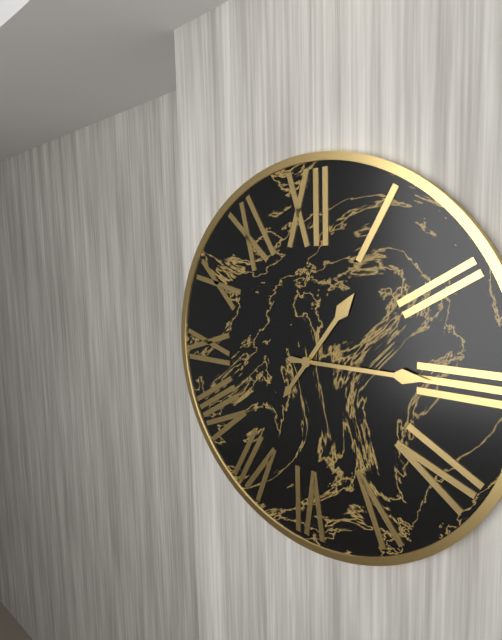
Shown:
1 h 15 min
